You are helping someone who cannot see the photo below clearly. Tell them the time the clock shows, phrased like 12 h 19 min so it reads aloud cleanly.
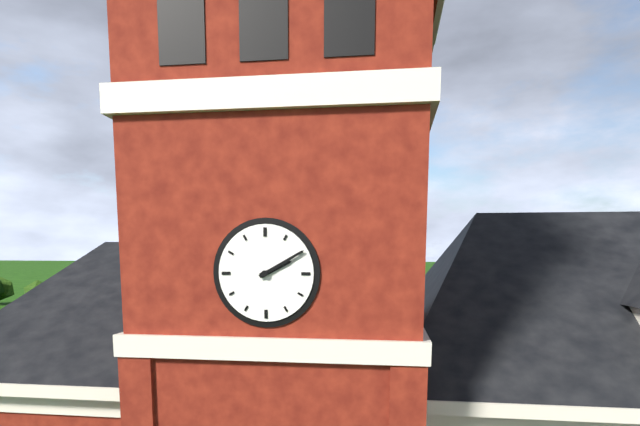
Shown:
2 h 10 min
